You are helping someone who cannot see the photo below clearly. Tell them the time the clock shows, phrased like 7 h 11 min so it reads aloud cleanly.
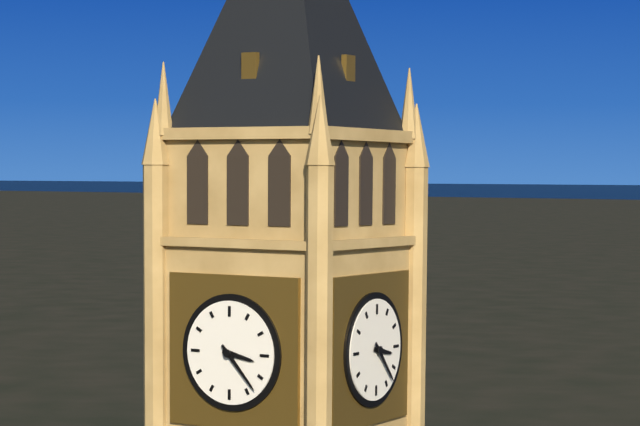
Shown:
3 h 23 min
